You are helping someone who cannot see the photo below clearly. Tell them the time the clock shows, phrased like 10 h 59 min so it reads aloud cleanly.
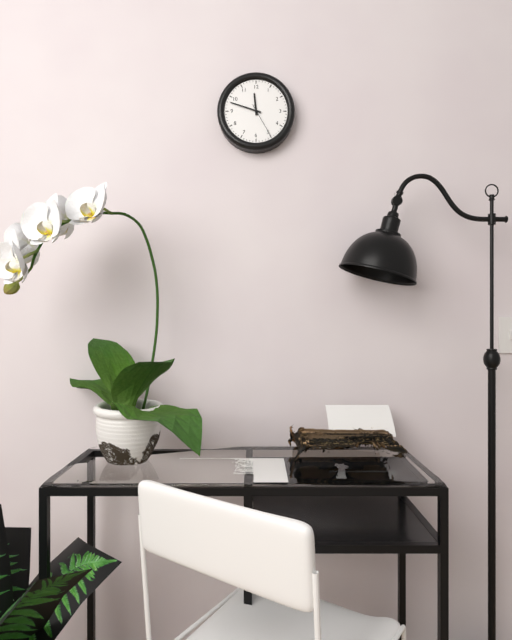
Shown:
11 h 48 min
